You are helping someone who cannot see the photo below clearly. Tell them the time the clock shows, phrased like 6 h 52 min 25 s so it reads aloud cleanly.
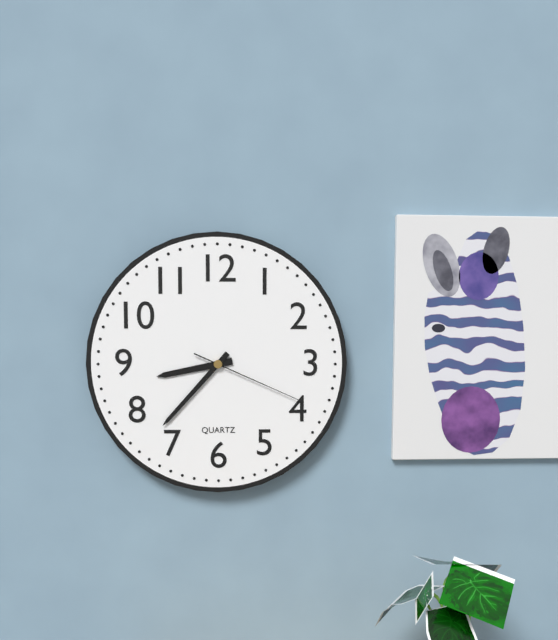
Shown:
8 h 37 min 19 s
